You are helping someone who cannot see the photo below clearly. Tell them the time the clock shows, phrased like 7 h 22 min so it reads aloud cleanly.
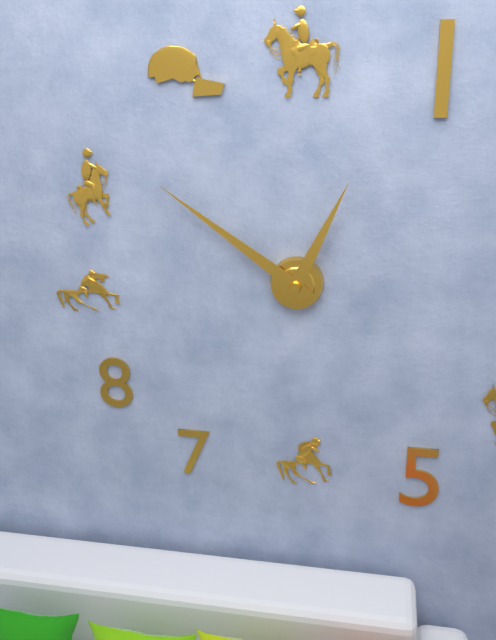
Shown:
12 h 51 min
